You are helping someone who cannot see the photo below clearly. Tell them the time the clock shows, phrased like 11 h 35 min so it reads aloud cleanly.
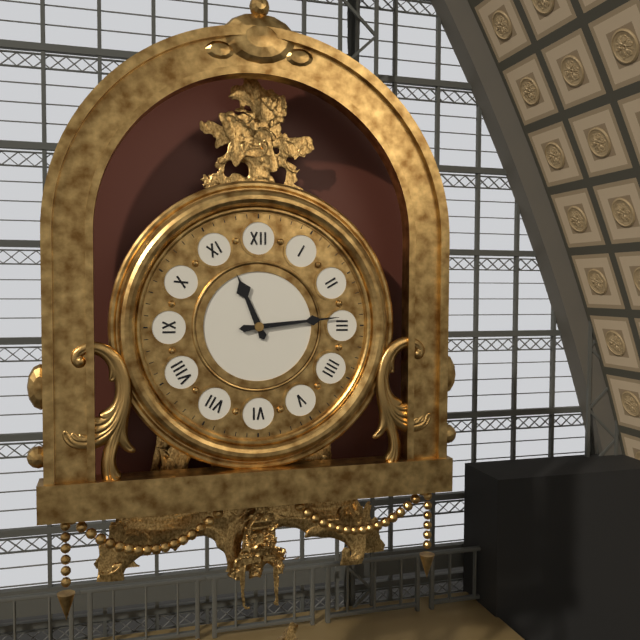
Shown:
11 h 14 min
